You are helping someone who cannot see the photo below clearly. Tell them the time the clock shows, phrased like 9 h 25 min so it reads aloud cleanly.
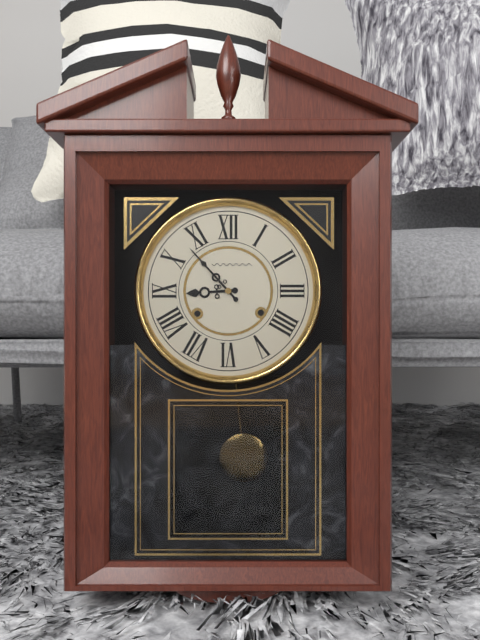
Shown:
8 h 53 min
